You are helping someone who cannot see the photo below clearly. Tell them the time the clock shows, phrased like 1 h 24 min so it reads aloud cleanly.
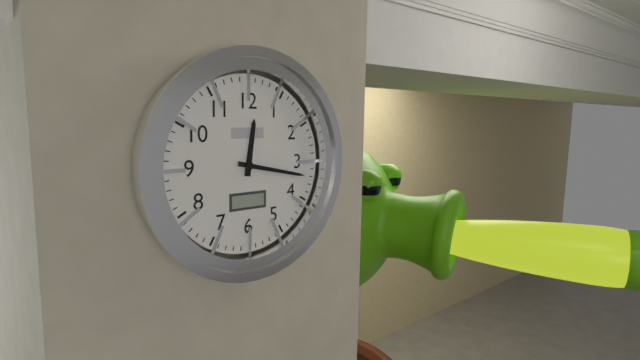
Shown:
12 h 17 min
